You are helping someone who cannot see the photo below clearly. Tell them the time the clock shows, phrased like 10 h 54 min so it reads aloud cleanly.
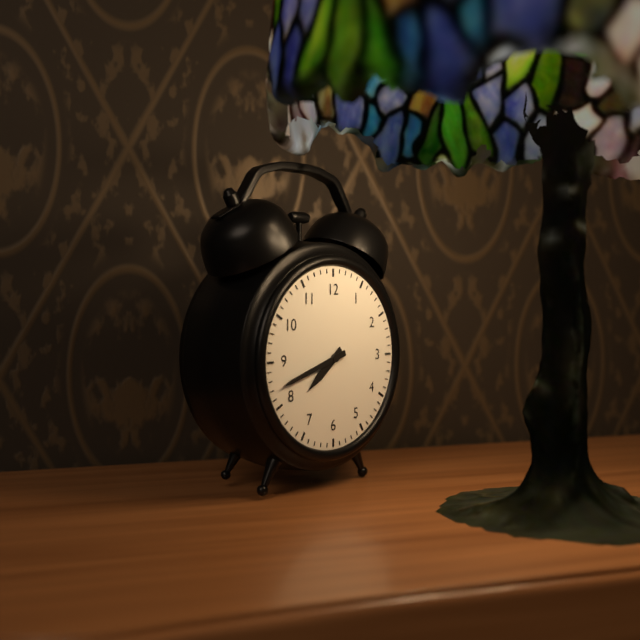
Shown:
7 h 42 min
